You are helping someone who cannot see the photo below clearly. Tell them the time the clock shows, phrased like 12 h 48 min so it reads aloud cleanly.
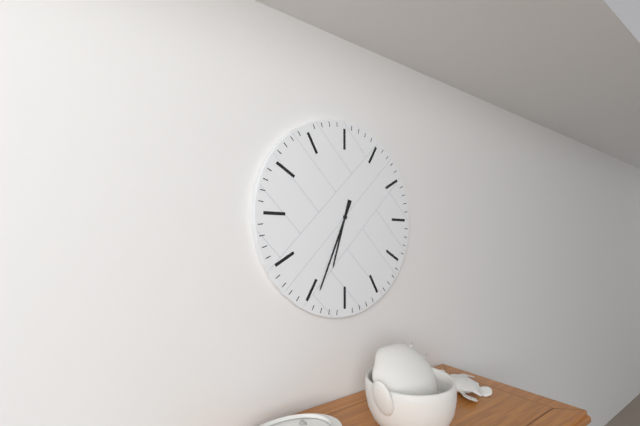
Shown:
6 h 34 min
